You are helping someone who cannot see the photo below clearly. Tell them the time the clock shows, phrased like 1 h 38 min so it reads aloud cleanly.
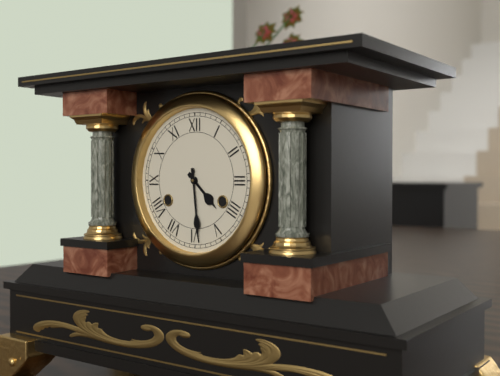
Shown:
4 h 29 min
